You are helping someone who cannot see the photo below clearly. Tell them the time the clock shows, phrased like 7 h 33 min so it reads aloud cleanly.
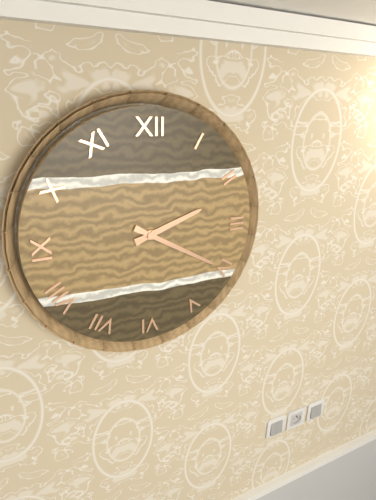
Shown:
2 h 20 min
